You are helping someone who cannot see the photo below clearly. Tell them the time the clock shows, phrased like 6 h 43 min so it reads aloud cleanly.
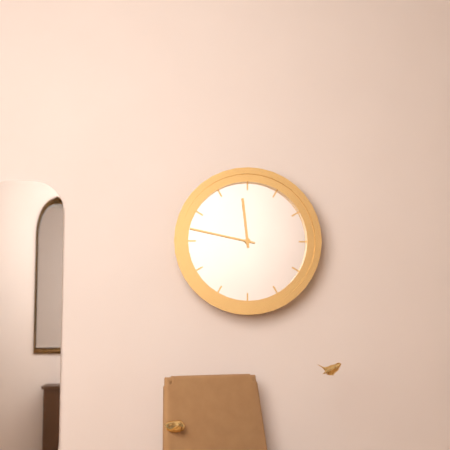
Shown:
11 h 47 min
